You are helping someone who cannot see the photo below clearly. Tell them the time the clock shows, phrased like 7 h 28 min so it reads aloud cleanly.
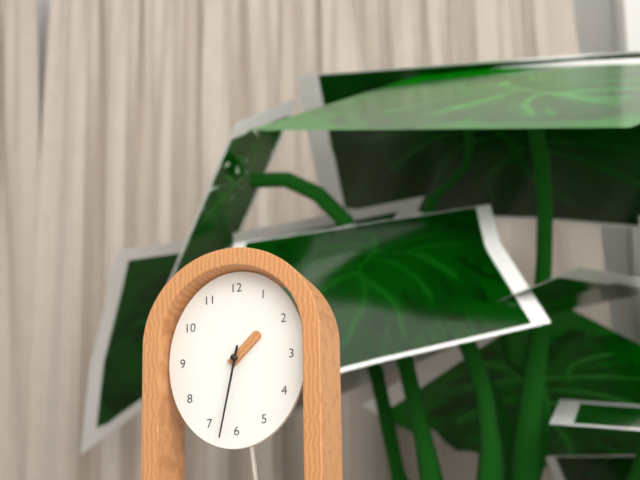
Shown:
1 h 32 min
